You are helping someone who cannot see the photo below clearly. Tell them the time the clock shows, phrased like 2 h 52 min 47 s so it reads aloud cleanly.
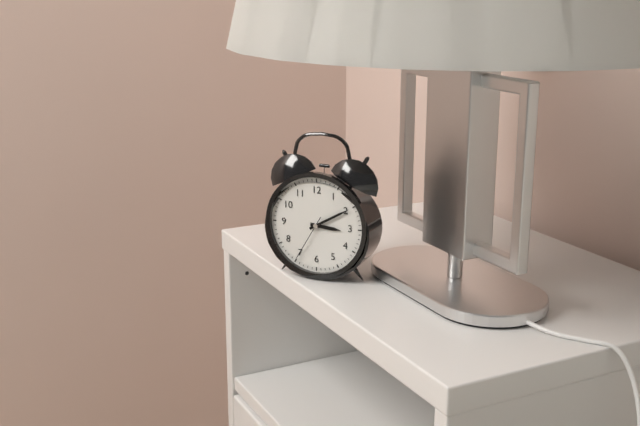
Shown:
3 h 10 min 35 s
